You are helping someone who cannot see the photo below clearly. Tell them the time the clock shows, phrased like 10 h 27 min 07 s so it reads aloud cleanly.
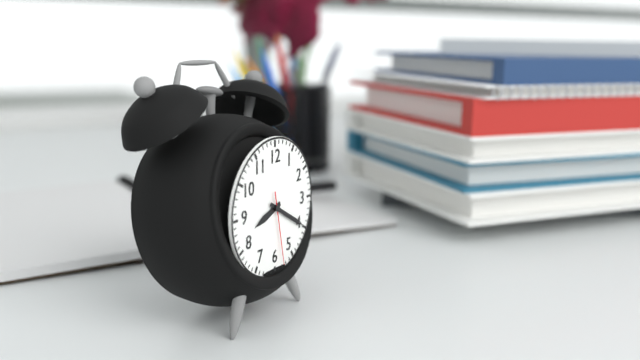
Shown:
8 h 20 min 28 s
